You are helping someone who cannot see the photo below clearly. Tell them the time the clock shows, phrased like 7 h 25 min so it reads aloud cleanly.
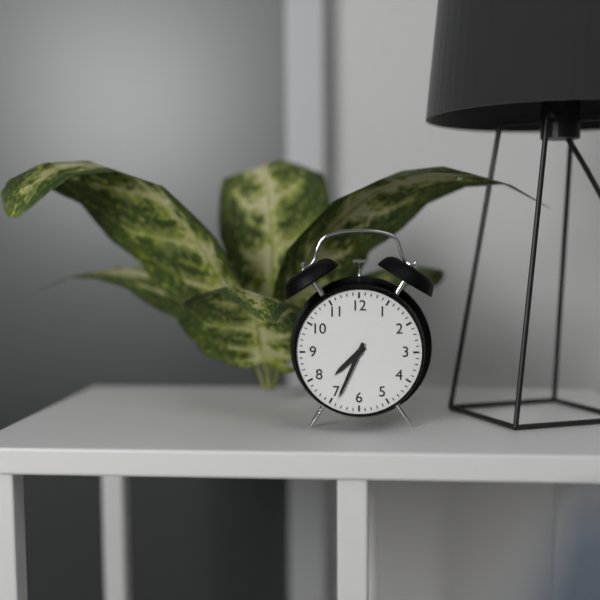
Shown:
7 h 34 min
